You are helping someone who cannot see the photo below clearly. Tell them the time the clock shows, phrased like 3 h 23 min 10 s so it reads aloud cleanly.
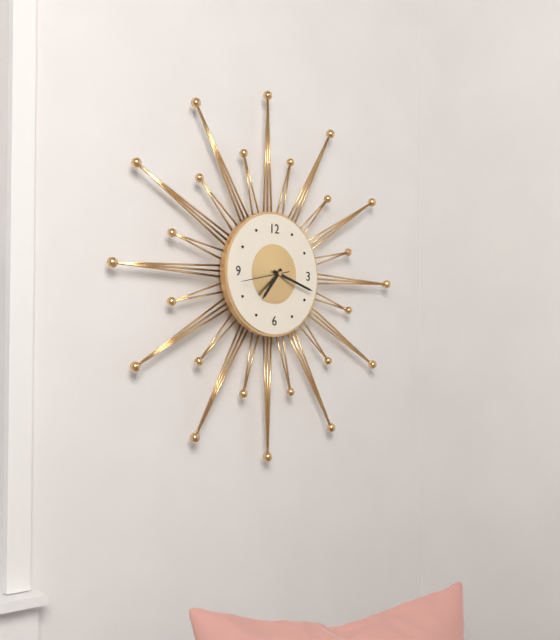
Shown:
7 h 18 min 43 s
